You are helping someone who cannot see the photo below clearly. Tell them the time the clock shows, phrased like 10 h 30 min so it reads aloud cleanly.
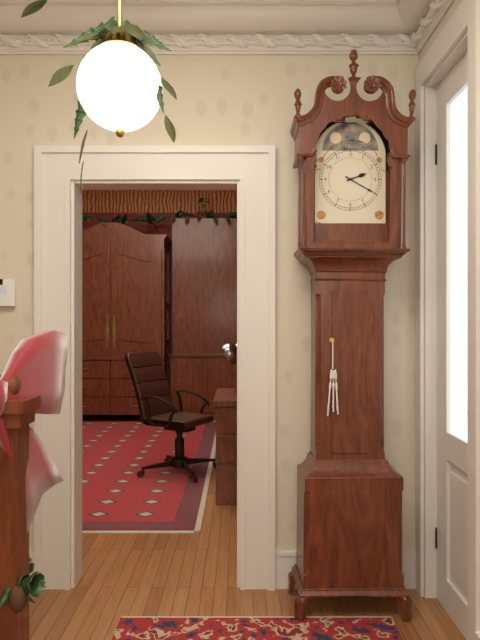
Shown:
2 h 20 min
